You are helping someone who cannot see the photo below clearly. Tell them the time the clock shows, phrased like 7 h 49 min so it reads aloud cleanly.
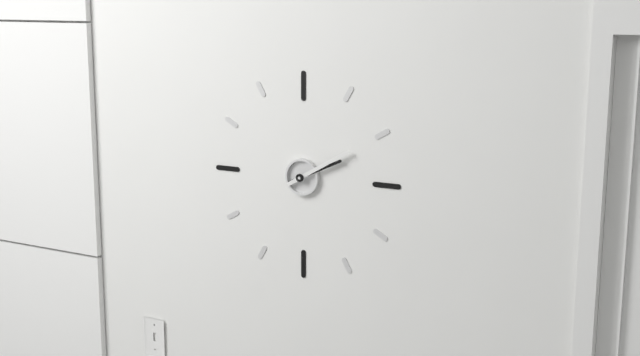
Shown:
2 h 10 min
